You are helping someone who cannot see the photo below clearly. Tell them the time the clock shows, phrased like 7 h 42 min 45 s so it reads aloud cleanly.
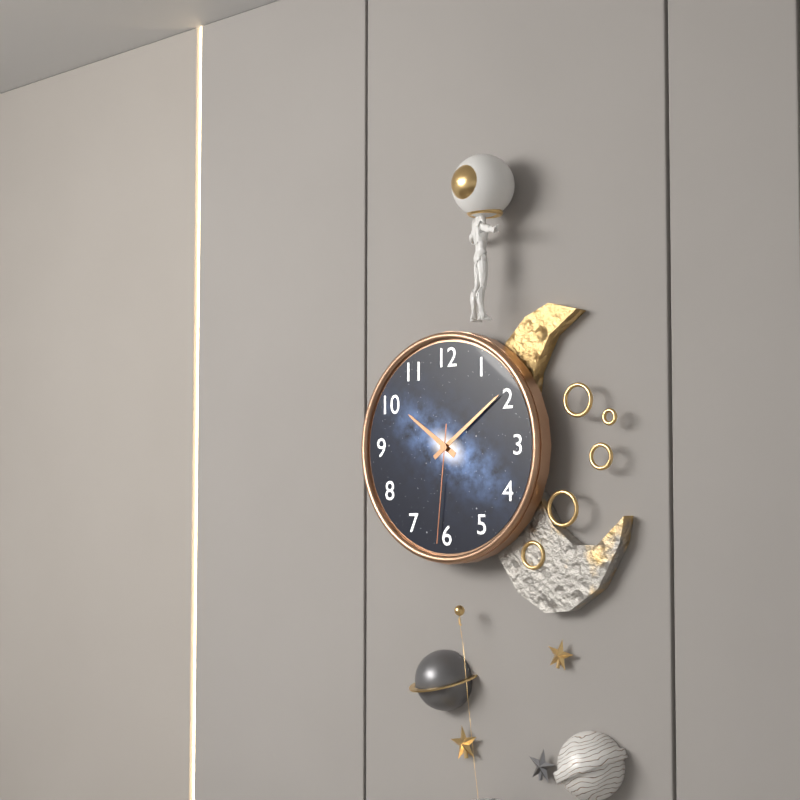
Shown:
10 h 09 min 31 s
